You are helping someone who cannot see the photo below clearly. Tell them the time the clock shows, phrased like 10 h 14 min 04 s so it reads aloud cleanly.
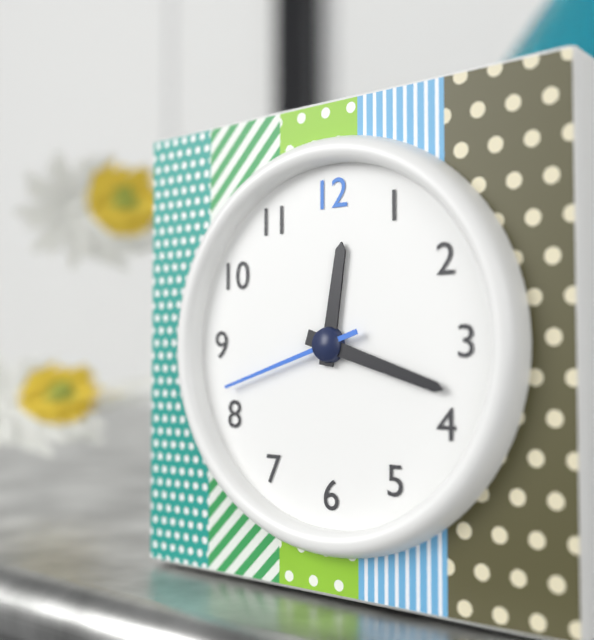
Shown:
12 h 18 min 42 s
